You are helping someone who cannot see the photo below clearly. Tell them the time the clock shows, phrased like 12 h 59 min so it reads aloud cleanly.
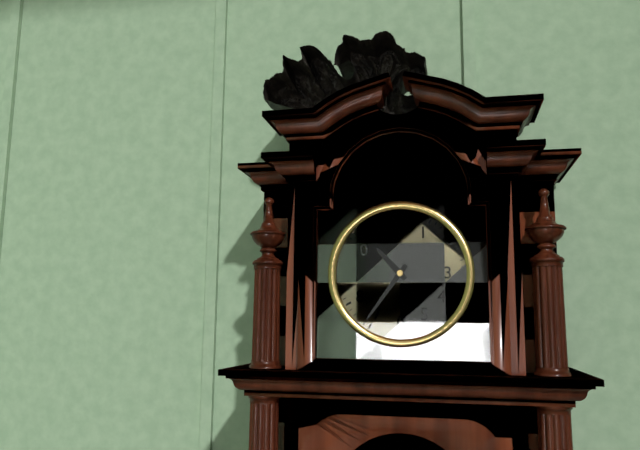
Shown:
10 h 36 min
